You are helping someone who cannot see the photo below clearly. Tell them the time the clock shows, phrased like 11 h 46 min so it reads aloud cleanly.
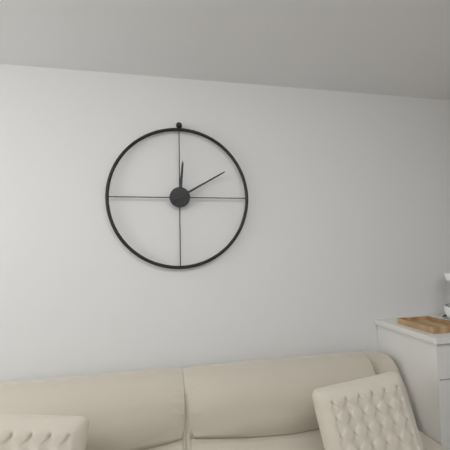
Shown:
12 h 10 min
